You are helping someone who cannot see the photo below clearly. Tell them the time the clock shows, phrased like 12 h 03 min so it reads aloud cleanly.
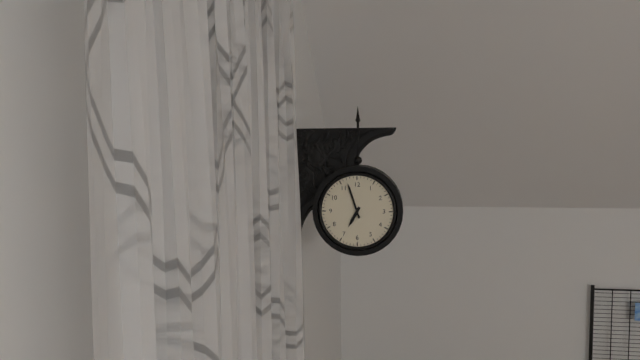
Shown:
6 h 57 min
